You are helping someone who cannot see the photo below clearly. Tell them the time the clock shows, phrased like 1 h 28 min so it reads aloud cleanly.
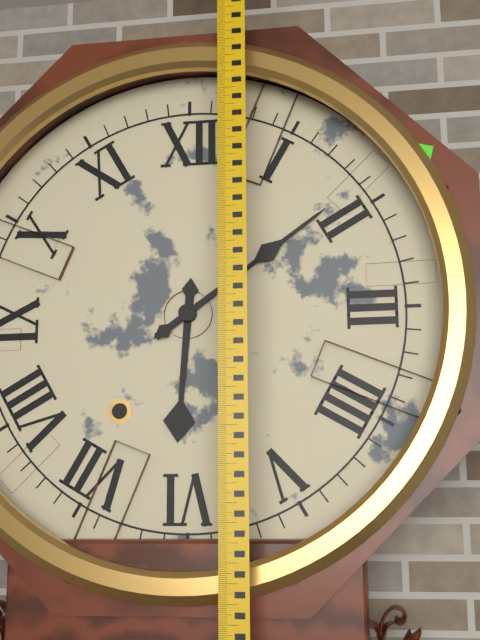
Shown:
6 h 09 min
